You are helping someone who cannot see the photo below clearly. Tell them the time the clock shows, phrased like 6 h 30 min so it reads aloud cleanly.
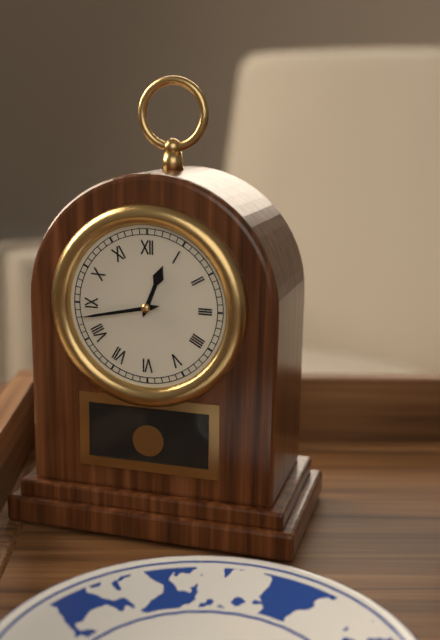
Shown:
12 h 43 min
